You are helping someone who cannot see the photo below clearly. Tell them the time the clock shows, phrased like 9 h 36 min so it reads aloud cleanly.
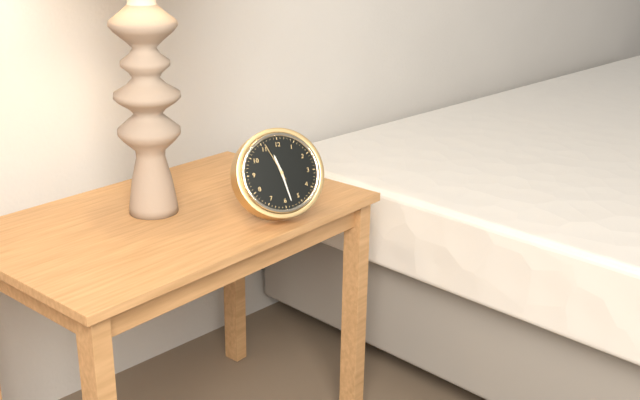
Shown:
11 h 28 min
